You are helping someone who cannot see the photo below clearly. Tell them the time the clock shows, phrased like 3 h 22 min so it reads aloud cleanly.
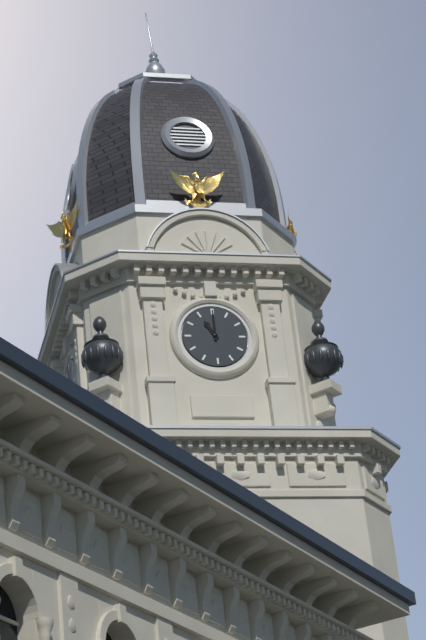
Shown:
11 h 00 min
